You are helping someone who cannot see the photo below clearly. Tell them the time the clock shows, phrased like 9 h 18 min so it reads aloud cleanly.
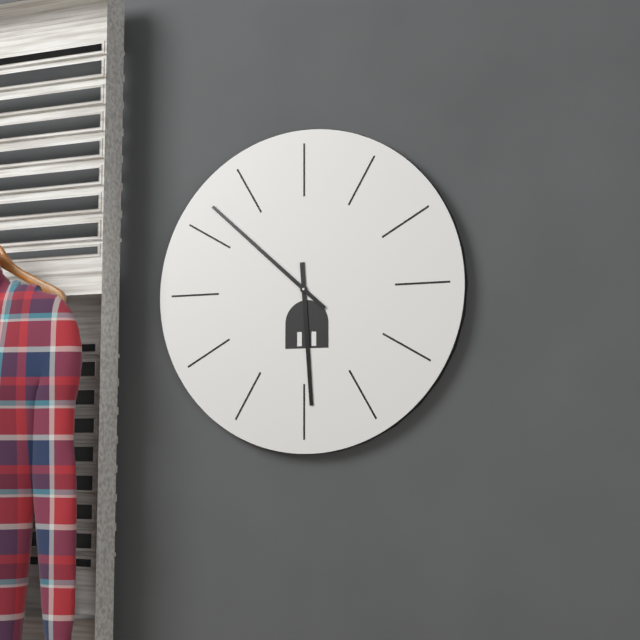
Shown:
5 h 52 min
